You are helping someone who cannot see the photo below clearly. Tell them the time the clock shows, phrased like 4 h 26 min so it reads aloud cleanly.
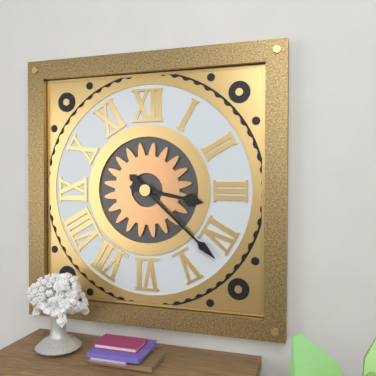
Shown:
3 h 22 min
